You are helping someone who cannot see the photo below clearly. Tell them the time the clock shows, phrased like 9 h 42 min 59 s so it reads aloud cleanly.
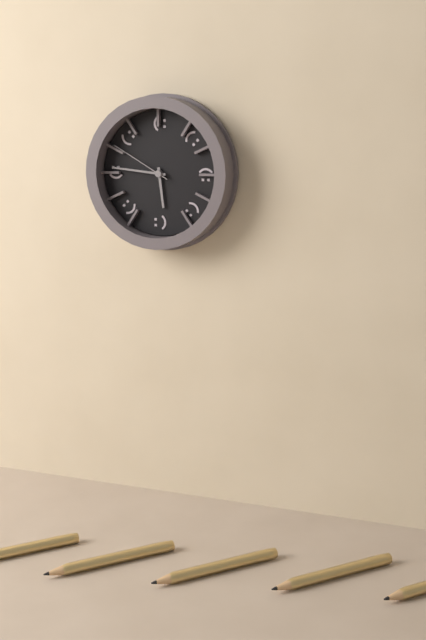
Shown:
5 h 46 min 50 s
